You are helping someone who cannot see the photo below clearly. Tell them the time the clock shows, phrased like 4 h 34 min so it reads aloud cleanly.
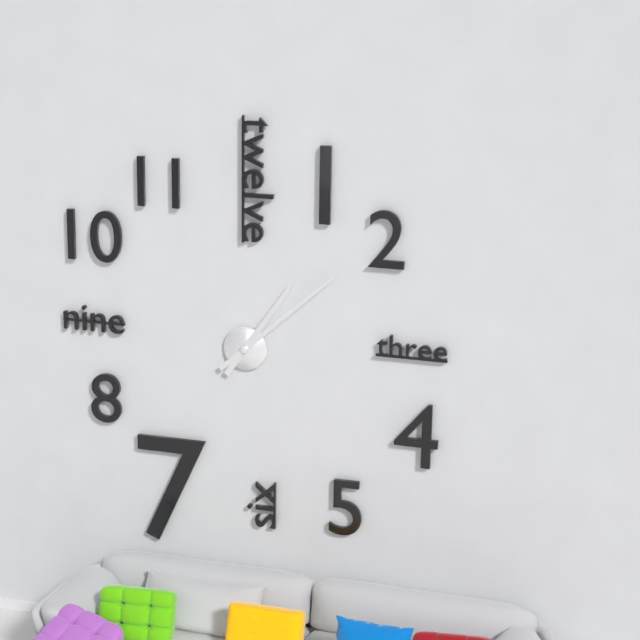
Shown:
1 h 08 min
